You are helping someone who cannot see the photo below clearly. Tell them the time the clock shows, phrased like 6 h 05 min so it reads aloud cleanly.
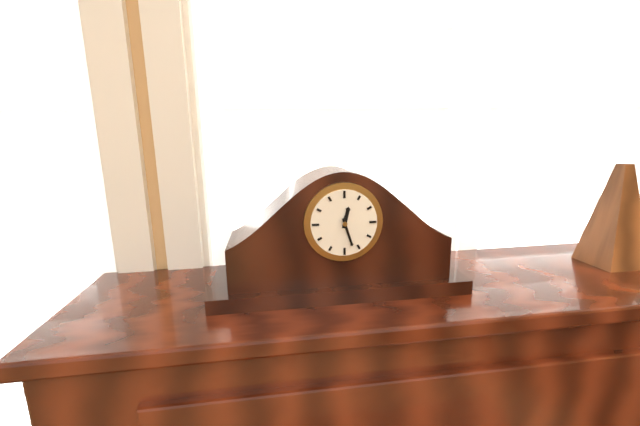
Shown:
12 h 27 min
